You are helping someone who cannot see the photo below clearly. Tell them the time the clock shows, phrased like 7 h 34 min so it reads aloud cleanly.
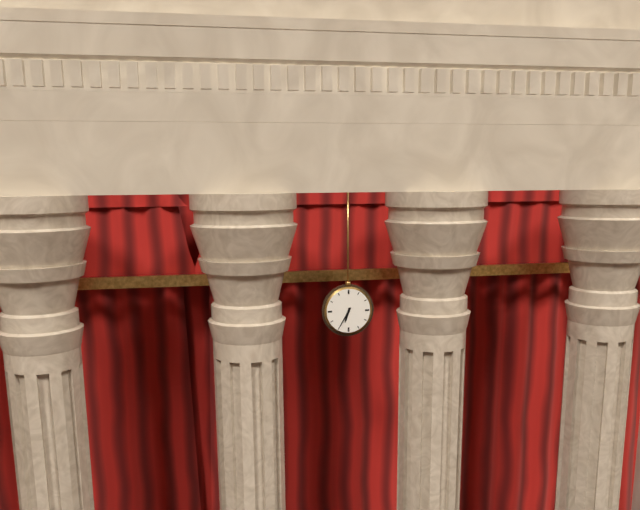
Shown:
6 h 35 min
